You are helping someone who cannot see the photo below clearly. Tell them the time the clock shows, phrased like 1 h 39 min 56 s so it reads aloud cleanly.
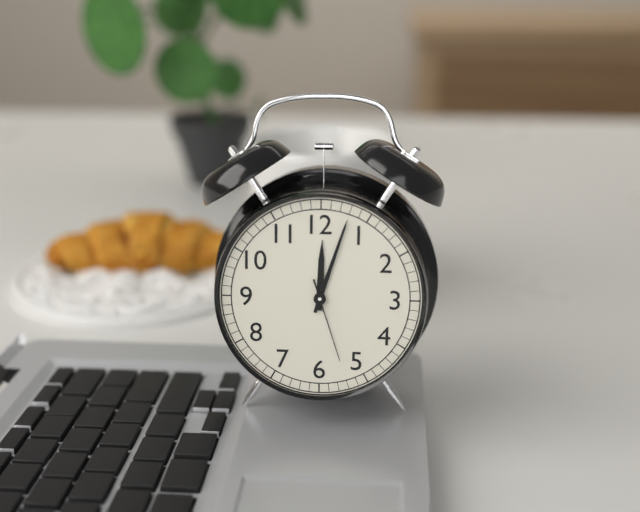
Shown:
12 h 03 min 27 s
